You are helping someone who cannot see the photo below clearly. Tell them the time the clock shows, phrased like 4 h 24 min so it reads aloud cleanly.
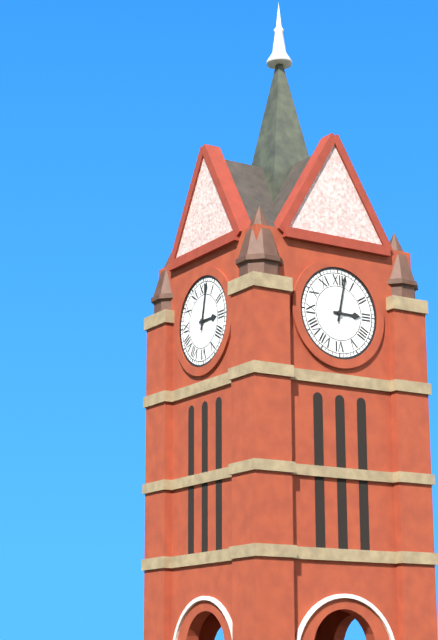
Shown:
3 h 02 min
